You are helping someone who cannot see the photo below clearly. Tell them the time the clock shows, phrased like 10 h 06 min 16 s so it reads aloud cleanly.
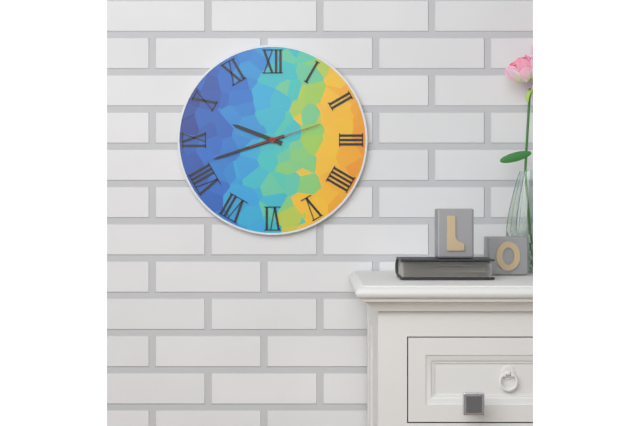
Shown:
9 h 42 min 12 s
